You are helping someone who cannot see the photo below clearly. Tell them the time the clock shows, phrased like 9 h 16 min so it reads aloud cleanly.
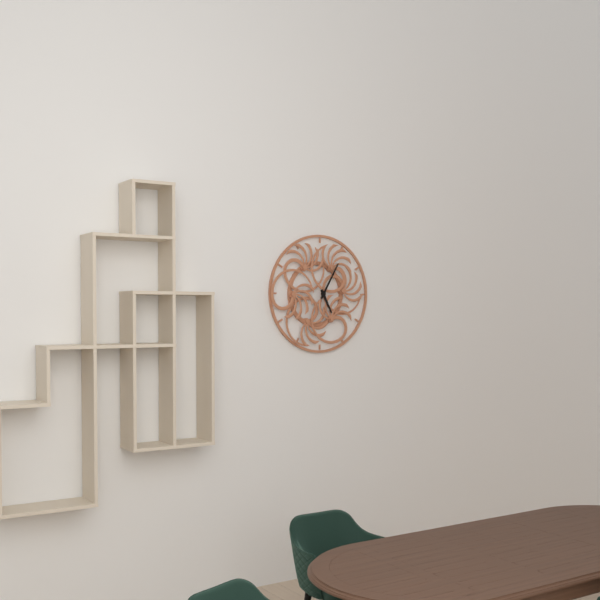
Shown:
5 h 05 min
